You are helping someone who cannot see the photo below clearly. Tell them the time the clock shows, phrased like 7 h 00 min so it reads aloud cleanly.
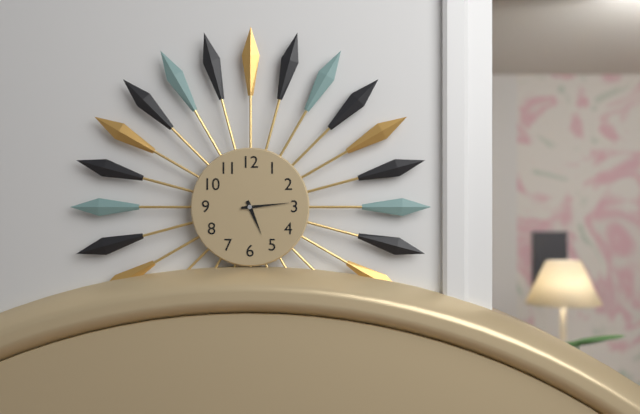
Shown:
5 h 14 min
